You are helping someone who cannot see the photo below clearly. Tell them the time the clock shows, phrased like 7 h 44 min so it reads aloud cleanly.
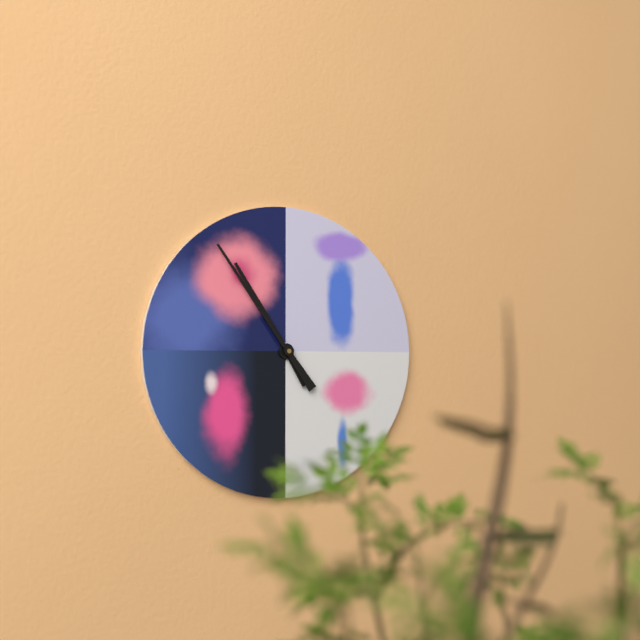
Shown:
10 h 54 min
